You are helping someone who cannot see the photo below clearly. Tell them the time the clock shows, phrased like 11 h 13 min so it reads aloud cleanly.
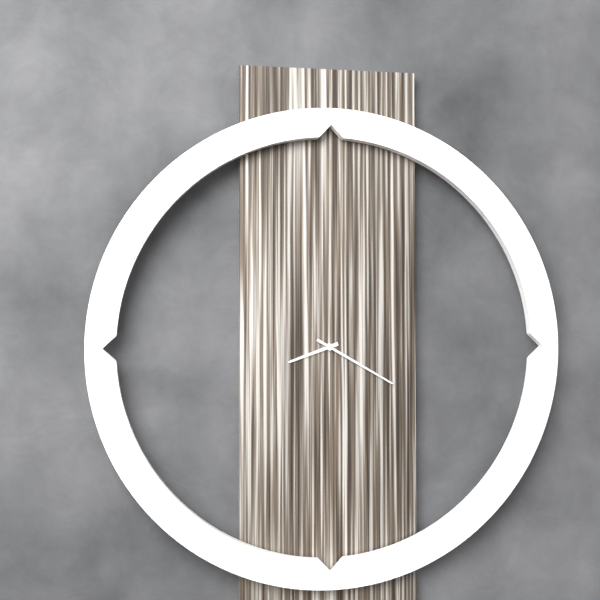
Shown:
8 h 20 min
